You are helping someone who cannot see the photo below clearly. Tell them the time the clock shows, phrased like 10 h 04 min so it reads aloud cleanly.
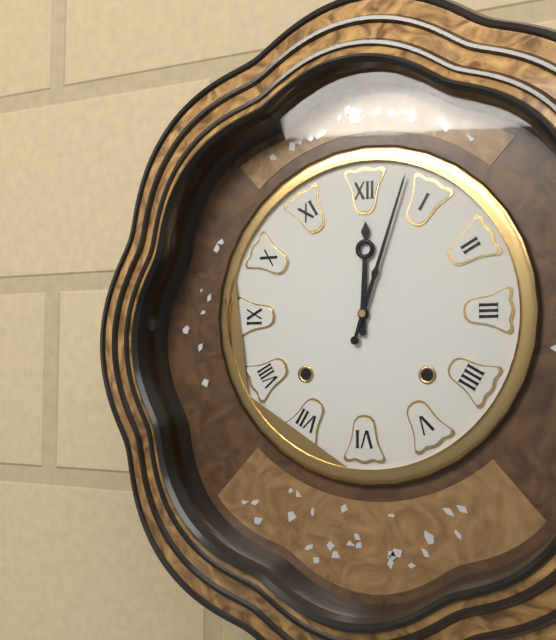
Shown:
12 h 03 min
